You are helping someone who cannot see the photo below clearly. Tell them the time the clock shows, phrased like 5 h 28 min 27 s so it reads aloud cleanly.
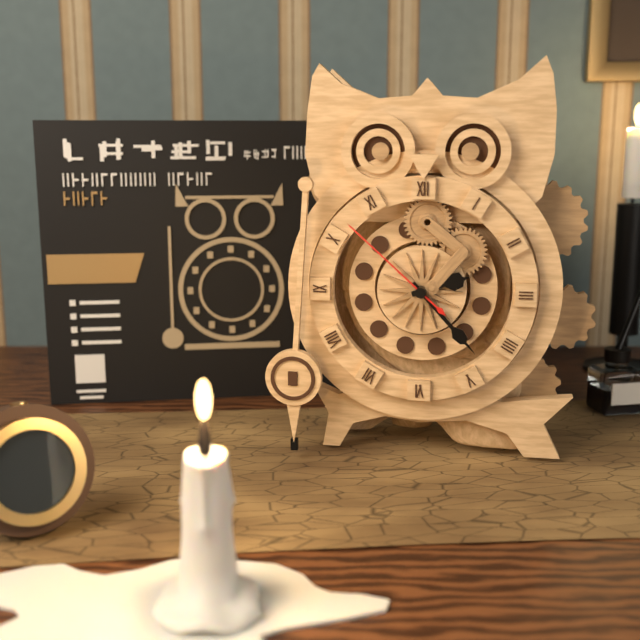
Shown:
2 h 23 min 52 s
